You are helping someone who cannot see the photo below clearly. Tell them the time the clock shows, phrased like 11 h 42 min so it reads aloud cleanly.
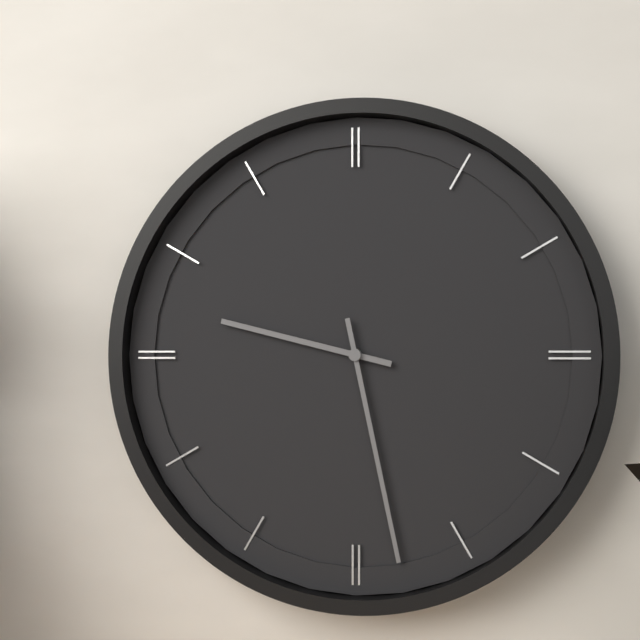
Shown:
9 h 28 min
